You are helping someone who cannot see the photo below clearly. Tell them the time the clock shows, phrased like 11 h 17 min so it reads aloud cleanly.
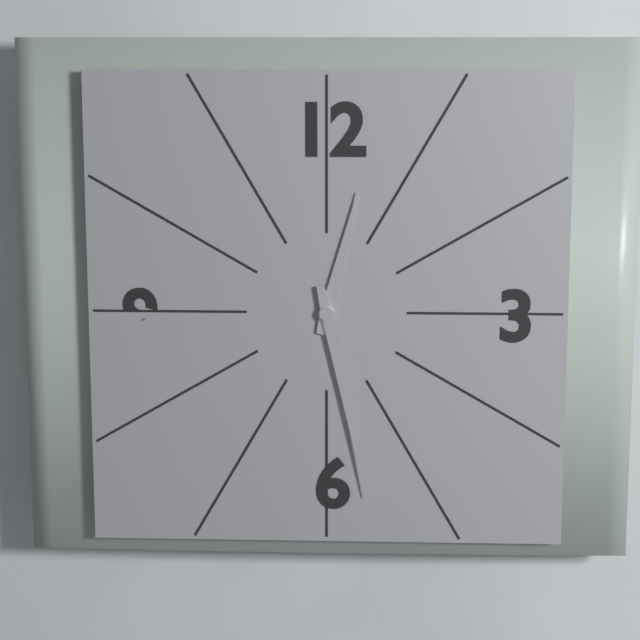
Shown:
12 h 28 min
